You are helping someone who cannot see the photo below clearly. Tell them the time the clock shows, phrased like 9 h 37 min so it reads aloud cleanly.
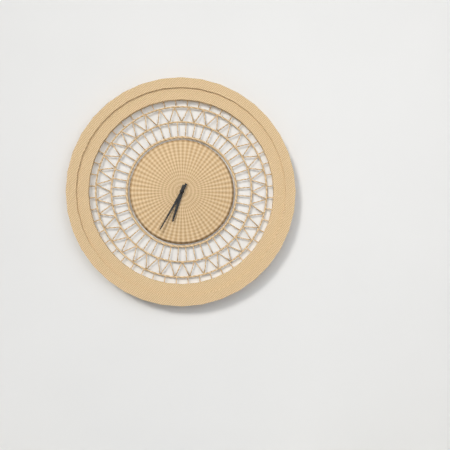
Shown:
6 h 35 min
